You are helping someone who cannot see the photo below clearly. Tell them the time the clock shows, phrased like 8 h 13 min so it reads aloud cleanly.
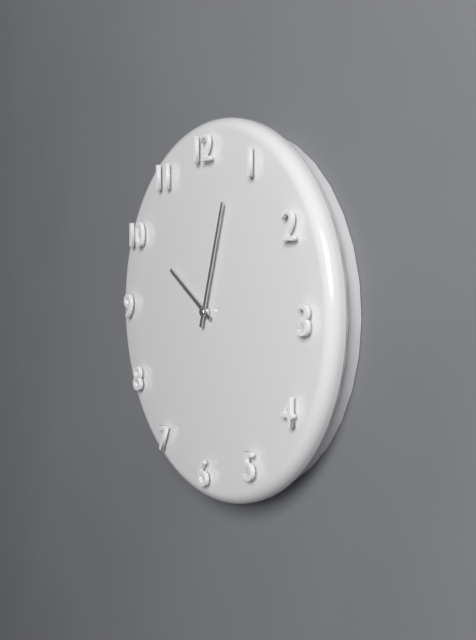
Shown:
10 h 03 min
